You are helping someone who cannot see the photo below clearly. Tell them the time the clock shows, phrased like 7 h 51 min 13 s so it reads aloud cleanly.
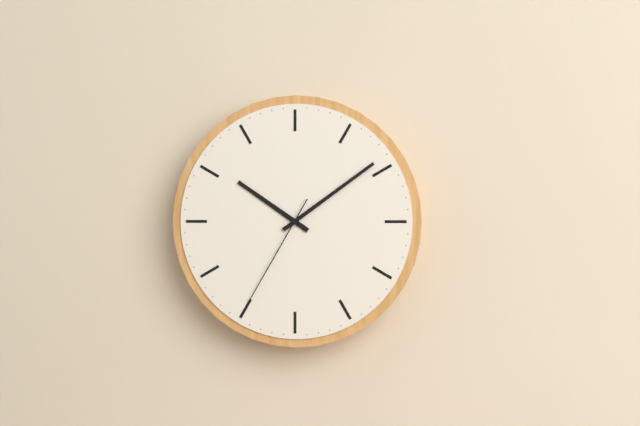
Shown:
10 h 09 min 35 s
